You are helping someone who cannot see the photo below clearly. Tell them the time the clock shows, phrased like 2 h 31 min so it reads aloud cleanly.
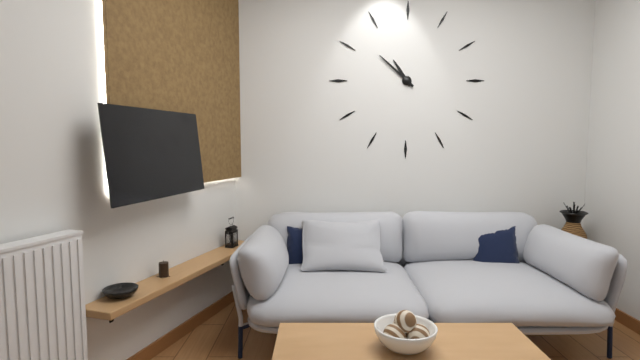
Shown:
10 h 52 min
